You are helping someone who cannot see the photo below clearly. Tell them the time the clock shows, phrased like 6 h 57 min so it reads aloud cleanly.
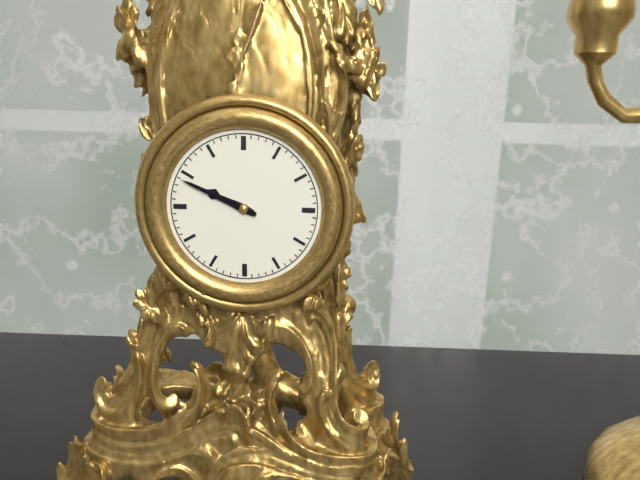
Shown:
9 h 49 min
